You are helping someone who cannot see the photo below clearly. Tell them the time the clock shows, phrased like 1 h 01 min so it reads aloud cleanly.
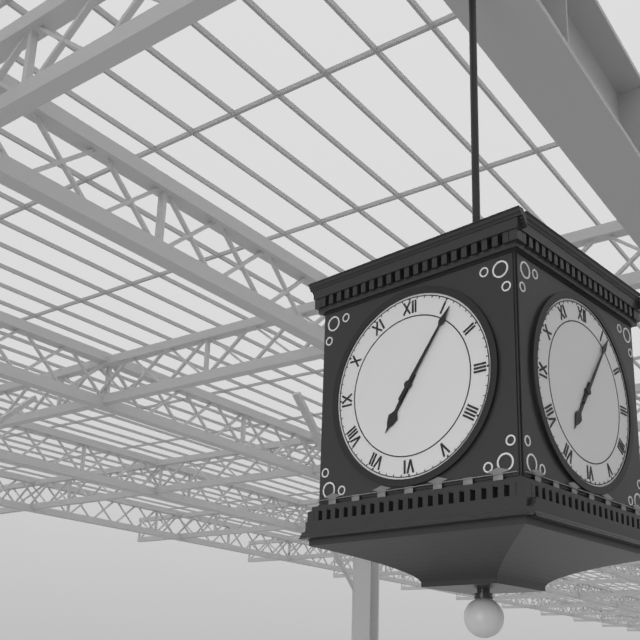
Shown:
7 h 06 min
